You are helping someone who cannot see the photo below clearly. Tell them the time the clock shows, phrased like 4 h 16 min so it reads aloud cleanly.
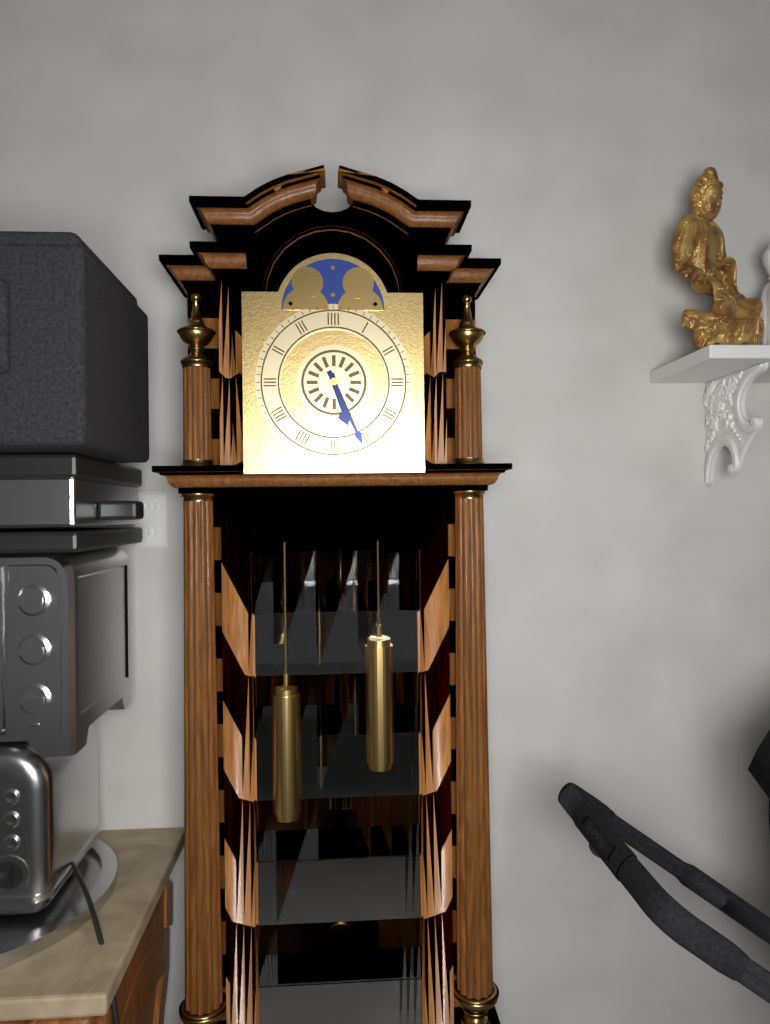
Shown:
5 h 26 min
